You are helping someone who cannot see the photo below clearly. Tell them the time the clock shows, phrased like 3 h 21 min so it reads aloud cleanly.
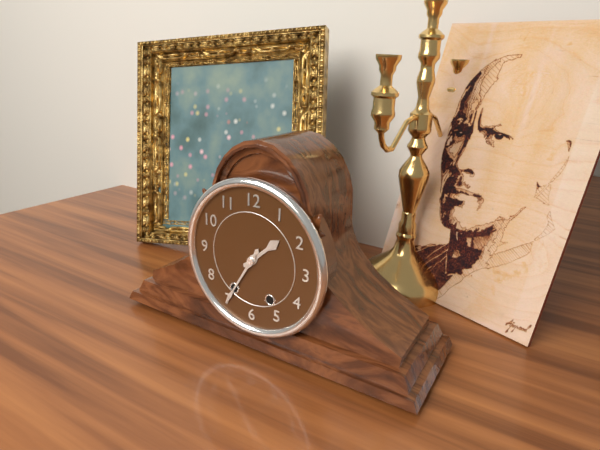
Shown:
1 h 35 min
